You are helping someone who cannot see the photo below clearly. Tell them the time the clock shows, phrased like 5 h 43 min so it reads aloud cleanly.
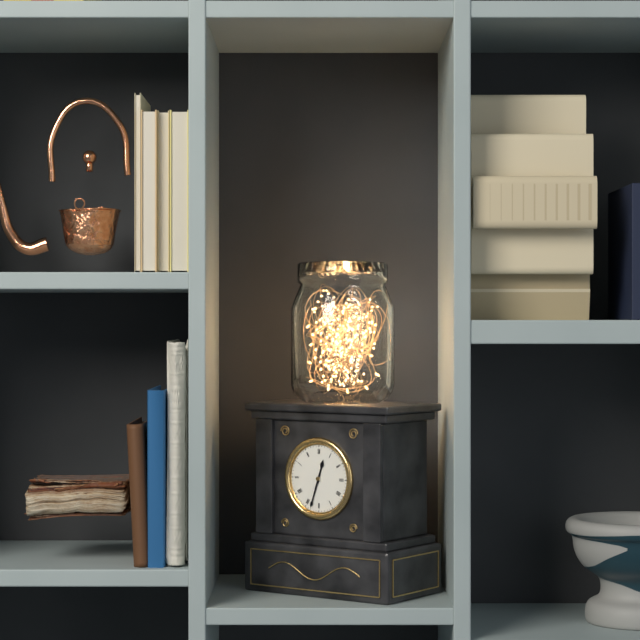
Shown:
12 h 33 min
